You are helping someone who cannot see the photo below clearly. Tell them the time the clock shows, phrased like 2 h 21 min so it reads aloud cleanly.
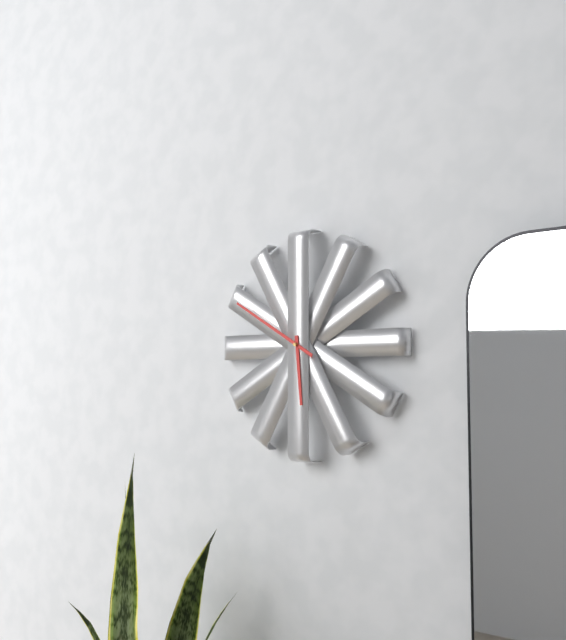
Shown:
5 h 50 min
